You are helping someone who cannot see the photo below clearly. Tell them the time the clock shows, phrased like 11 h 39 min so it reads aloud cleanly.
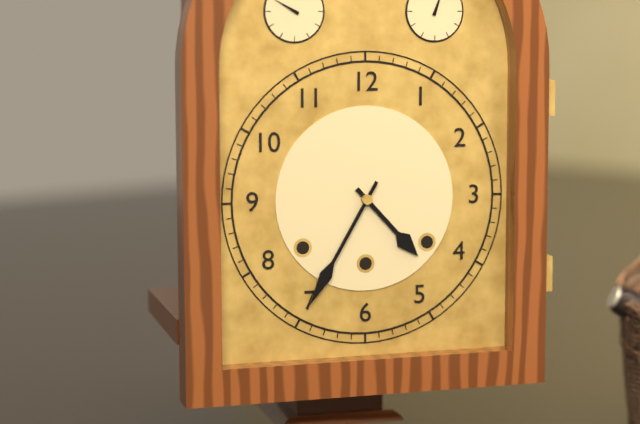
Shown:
4 h 35 min
